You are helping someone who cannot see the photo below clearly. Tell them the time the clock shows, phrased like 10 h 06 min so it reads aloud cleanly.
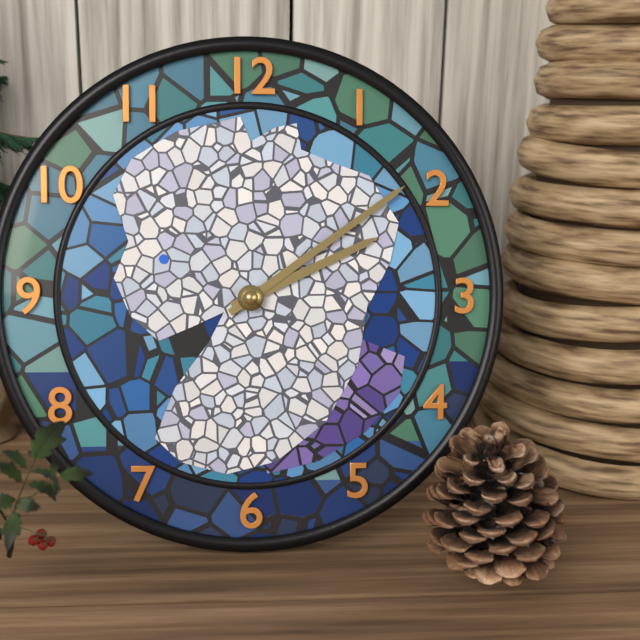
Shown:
2 h 09 min
